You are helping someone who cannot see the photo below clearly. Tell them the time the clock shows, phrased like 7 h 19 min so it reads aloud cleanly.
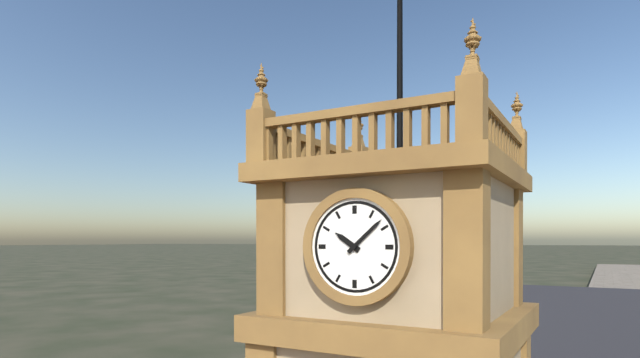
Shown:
10 h 08 min
